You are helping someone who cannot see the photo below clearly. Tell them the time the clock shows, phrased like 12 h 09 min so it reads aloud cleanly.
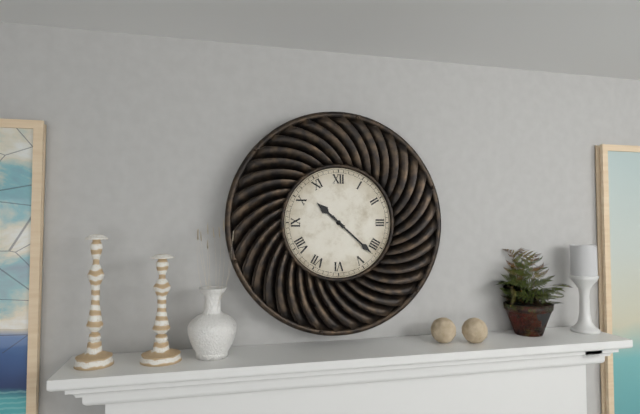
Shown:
10 h 22 min
